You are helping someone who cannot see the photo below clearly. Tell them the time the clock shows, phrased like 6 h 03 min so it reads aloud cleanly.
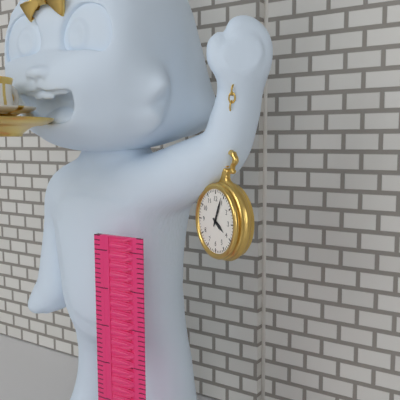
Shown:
4 h 04 min
